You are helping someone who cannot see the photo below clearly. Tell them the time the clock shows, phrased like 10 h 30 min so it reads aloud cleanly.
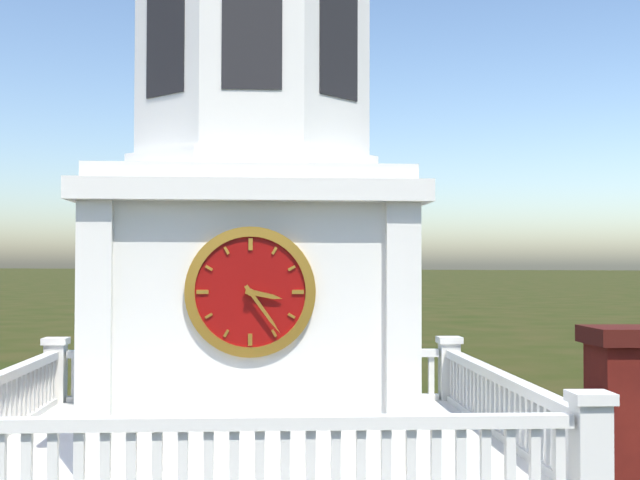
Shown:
3 h 24 min
